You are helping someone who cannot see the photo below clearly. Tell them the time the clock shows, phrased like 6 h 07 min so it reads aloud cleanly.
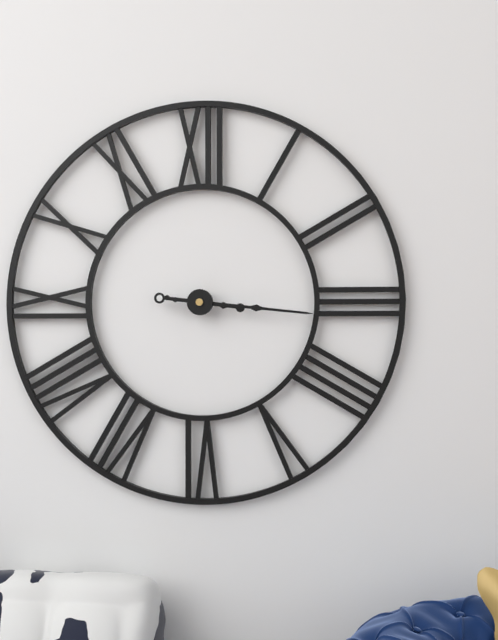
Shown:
3 h 16 min
